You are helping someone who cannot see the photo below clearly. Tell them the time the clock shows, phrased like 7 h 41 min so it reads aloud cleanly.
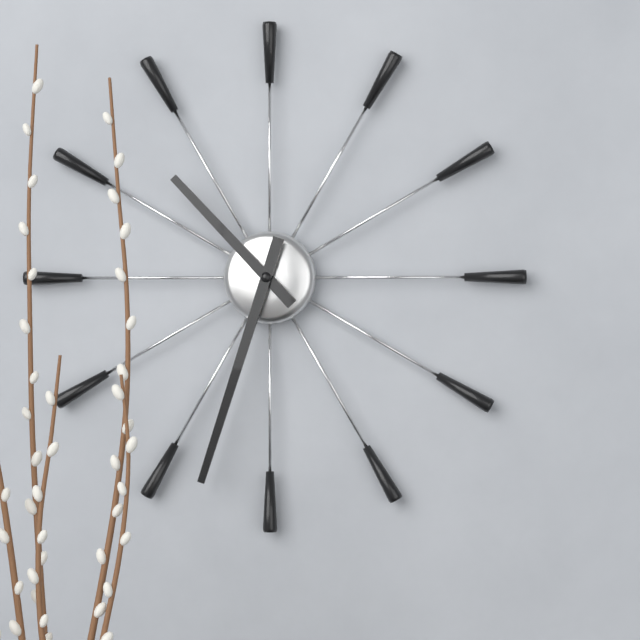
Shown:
10 h 33 min
